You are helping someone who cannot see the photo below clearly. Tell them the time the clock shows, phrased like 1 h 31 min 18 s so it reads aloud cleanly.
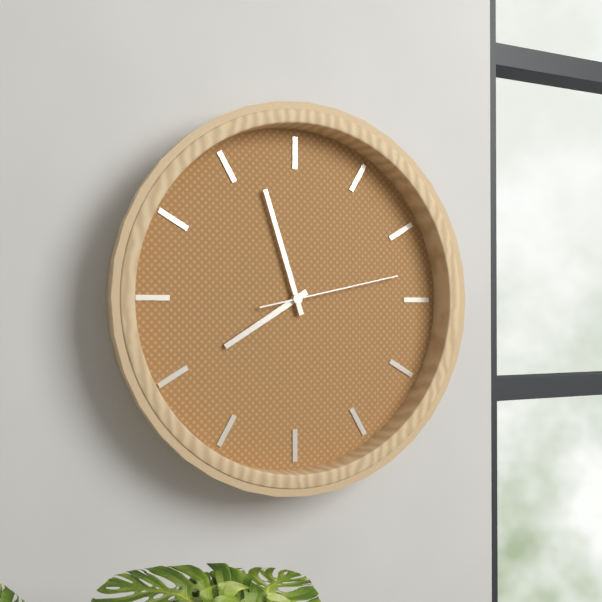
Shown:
7 h 57 min 13 s
